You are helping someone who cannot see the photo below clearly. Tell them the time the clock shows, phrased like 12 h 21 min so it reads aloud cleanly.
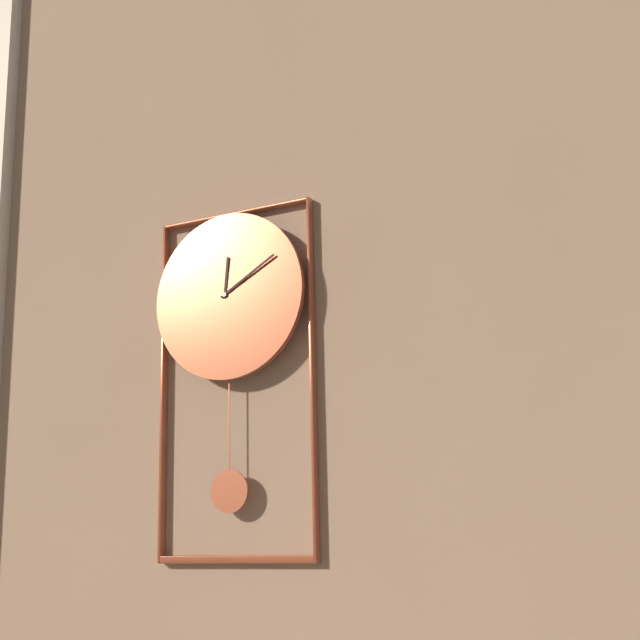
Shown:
12 h 10 min
